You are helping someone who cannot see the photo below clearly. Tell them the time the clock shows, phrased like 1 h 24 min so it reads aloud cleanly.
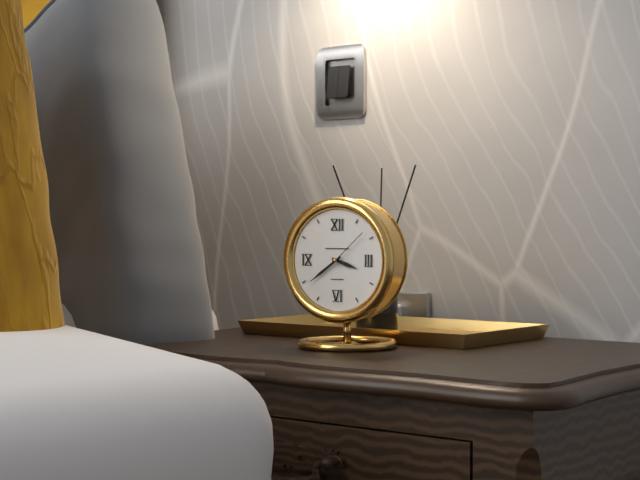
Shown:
3 h 39 min
